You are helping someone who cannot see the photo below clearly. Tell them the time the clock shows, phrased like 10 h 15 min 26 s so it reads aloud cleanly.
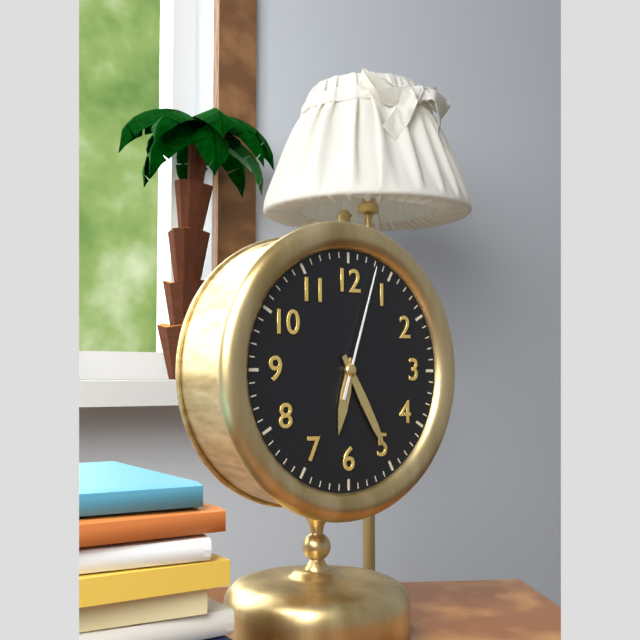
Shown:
6 h 25 min 03 s
